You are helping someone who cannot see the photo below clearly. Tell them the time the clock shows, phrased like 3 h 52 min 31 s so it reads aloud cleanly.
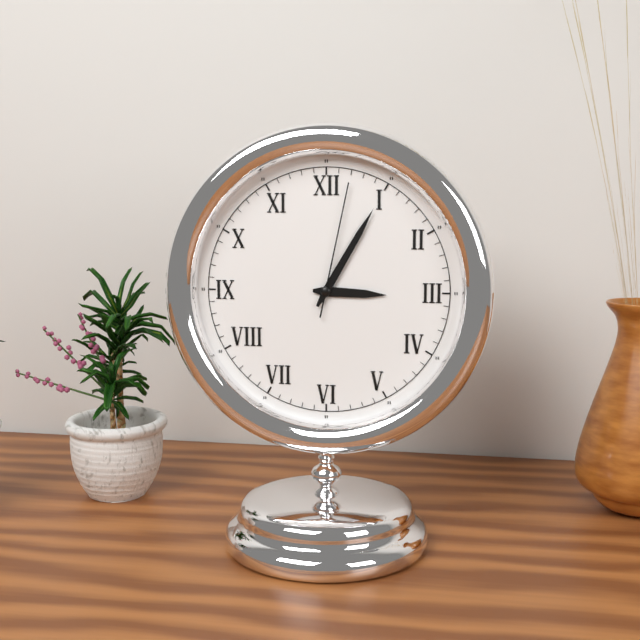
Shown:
3 h 05 min 02 s
